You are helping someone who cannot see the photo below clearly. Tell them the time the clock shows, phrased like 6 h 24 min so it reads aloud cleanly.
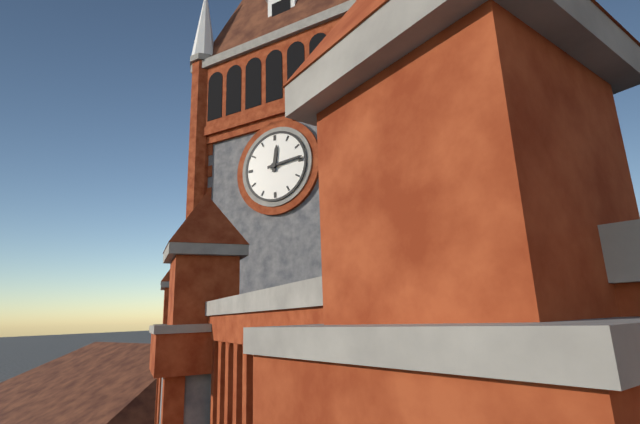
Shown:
12 h 14 min
